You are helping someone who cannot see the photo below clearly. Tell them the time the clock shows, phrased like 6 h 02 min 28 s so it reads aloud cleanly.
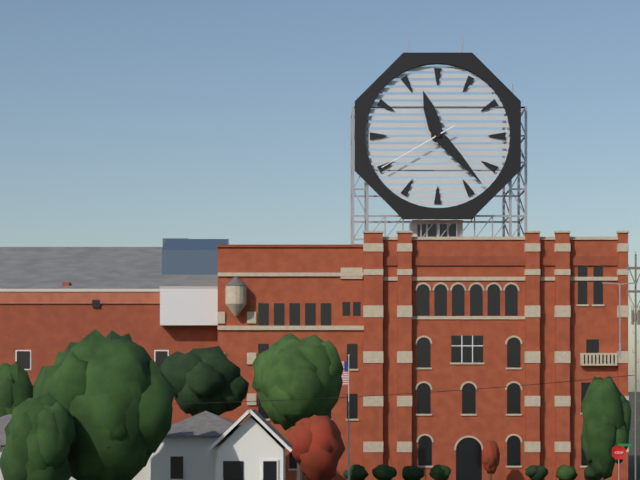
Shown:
11 h 23 min 40 s
